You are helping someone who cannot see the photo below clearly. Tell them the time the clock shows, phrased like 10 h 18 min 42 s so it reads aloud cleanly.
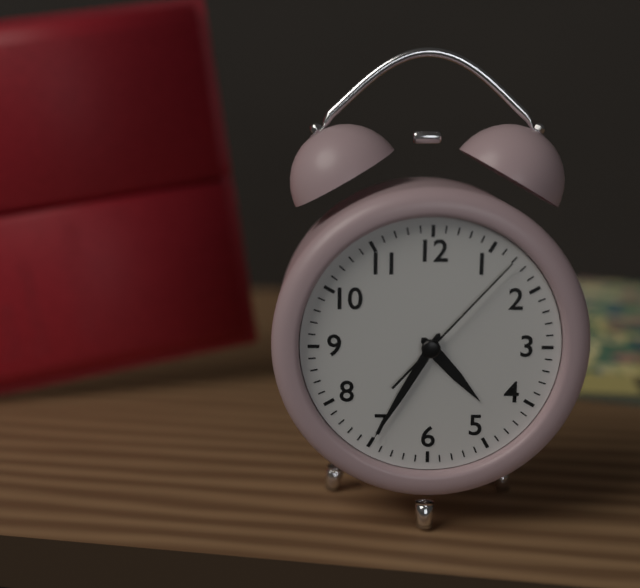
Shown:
4 h 35 min 07 s
